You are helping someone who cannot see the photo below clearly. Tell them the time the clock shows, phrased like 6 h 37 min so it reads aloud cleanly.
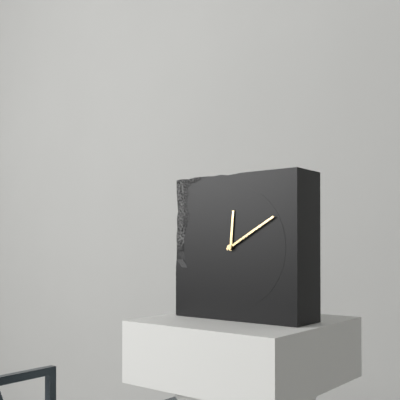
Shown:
12 h 10 min
